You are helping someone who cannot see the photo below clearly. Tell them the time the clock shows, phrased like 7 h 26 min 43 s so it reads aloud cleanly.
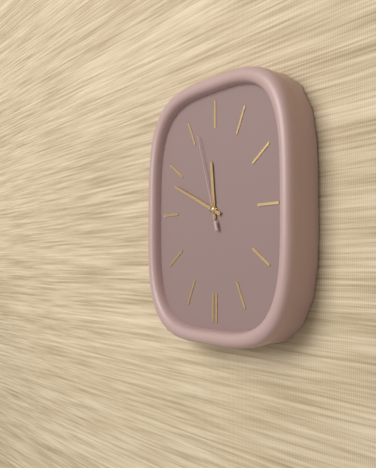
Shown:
11 h 49 min 57 s
